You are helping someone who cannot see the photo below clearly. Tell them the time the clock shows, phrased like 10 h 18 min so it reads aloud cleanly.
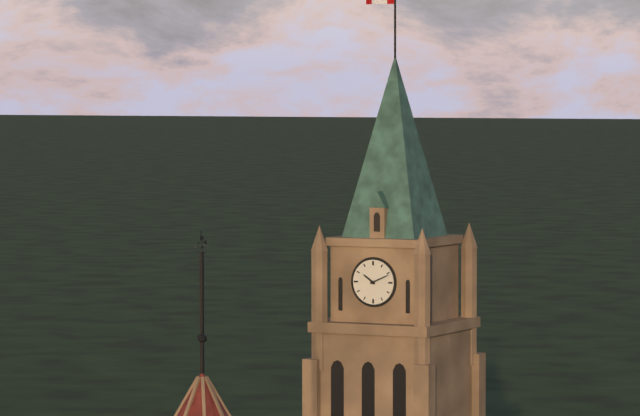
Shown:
10 h 11 min
